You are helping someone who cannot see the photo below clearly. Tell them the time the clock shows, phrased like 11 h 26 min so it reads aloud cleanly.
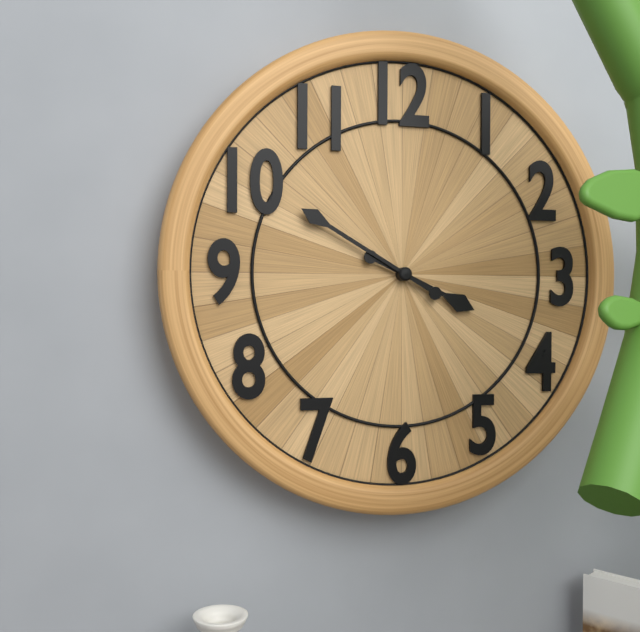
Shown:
3 h 50 min
